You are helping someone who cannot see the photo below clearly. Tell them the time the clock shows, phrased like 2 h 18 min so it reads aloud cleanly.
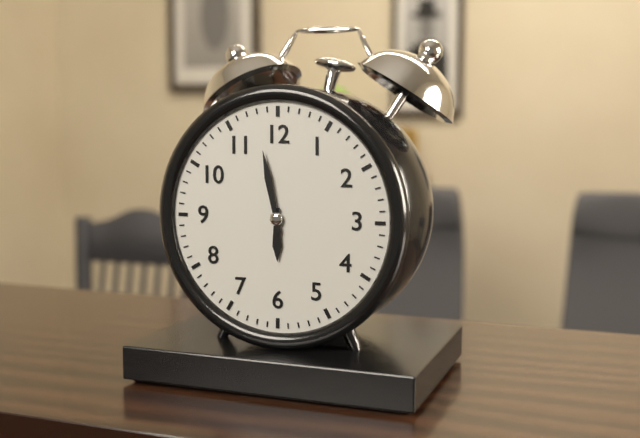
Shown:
5 h 58 min
